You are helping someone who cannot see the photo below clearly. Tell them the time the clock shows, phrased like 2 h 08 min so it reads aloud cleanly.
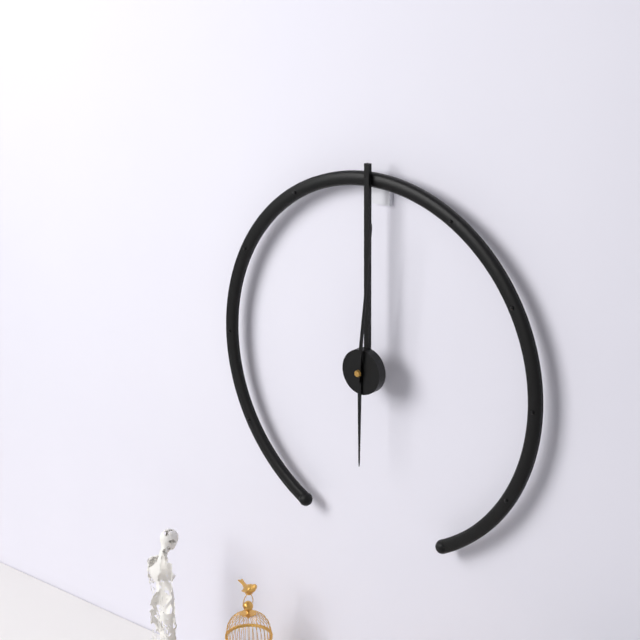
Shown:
6 h 01 min
